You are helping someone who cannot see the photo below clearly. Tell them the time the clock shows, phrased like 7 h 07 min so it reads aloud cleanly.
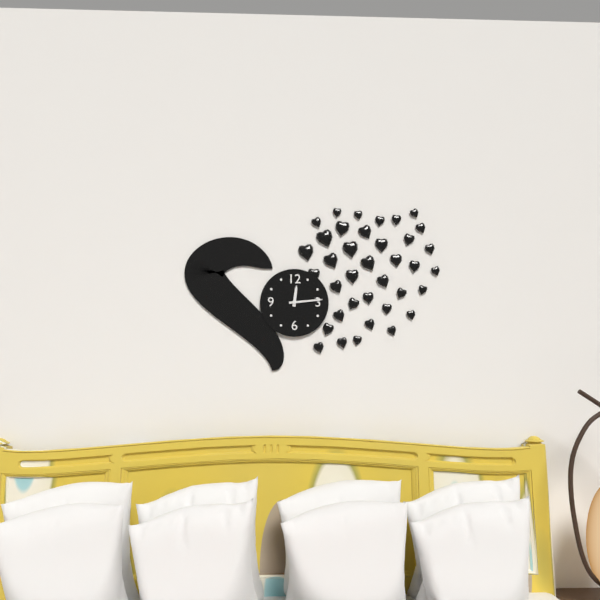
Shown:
12 h 14 min
